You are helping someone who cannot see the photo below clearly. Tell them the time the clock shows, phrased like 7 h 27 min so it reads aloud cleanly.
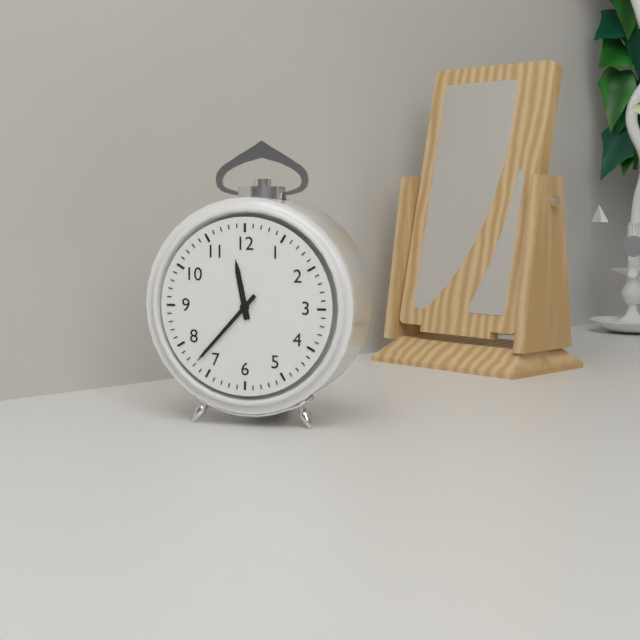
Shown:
11 h 37 min
